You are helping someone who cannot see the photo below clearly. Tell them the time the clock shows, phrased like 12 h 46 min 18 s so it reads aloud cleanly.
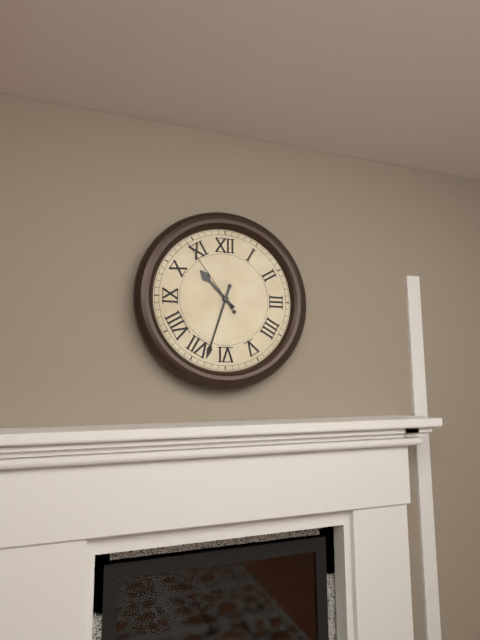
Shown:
10 h 33 min 54 s
